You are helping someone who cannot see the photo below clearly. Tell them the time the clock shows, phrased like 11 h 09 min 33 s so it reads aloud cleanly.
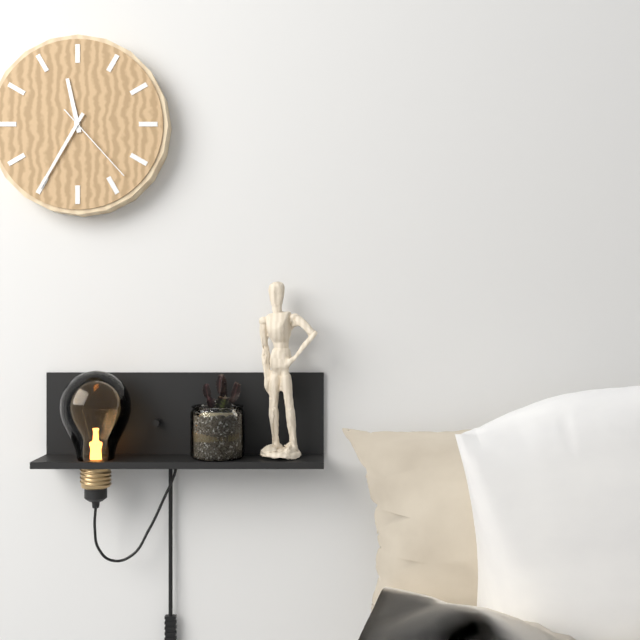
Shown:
11 h 35 min 23 s
